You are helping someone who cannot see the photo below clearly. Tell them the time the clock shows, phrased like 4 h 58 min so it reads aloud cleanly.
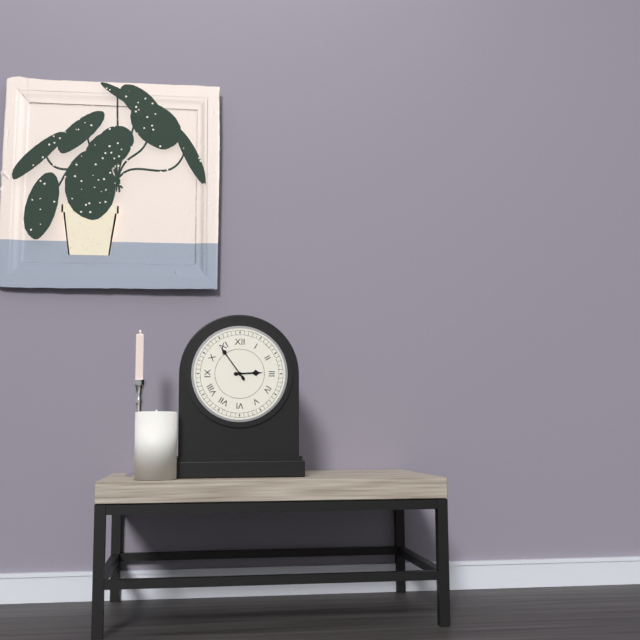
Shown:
2 h 54 min
